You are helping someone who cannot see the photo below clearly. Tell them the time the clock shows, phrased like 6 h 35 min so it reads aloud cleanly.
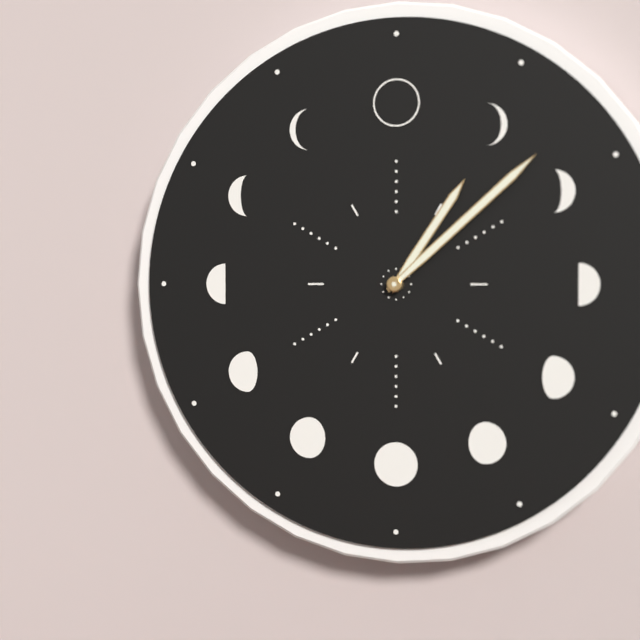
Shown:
1 h 08 min
